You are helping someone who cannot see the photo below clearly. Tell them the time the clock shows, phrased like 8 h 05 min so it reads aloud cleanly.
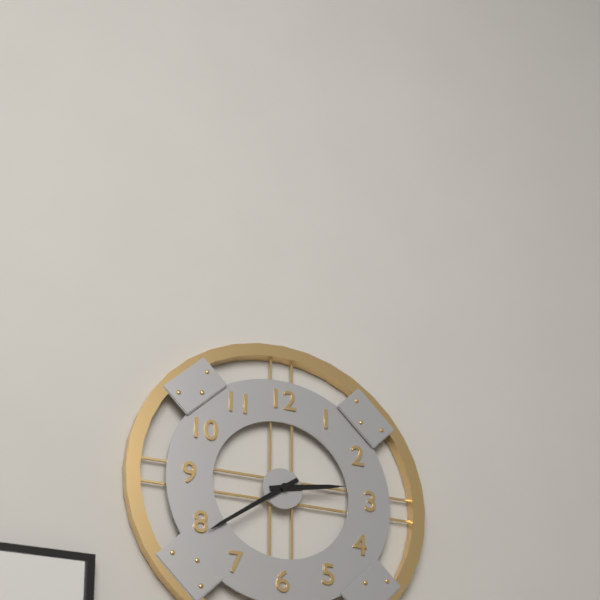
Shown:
2 h 39 min
